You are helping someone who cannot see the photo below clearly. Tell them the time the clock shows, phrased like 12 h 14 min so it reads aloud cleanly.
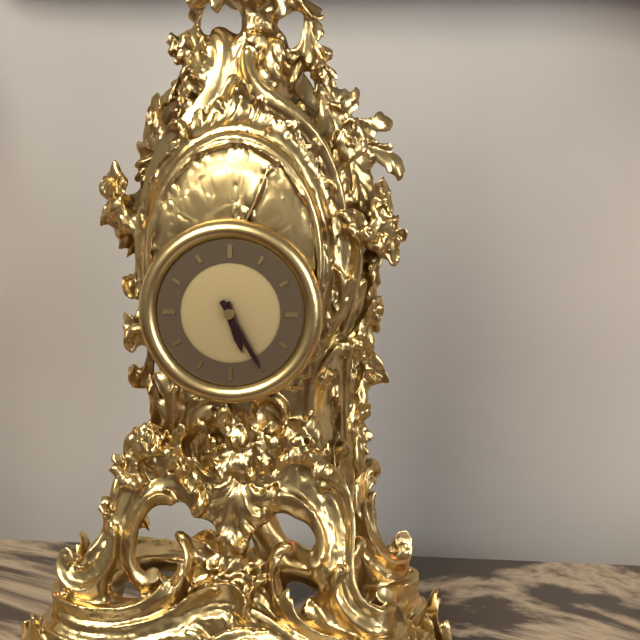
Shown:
5 h 25 min
